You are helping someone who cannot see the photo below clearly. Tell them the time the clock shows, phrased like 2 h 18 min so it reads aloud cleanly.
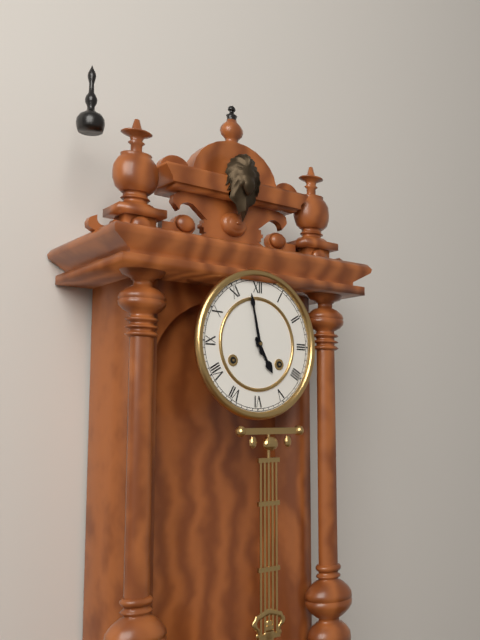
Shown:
4 h 58 min
